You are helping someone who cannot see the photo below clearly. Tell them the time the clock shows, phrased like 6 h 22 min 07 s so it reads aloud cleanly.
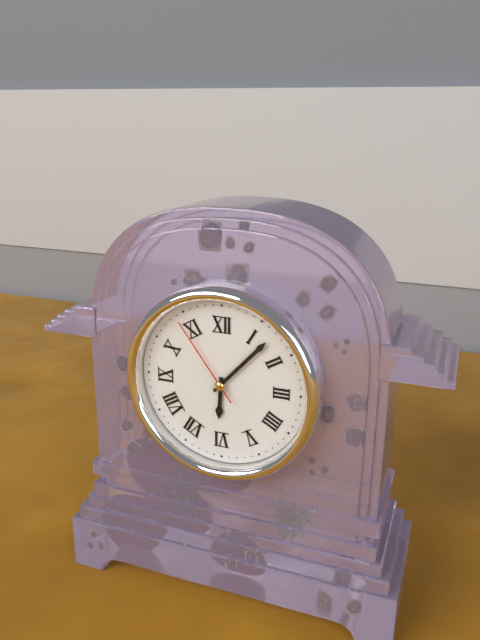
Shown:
6 h 07 min 54 s
